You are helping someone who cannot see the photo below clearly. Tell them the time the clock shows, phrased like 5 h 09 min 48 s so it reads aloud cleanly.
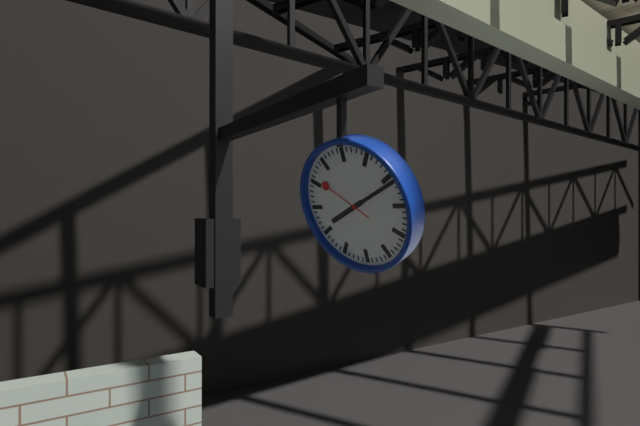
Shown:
8 h 11 min 51 s
